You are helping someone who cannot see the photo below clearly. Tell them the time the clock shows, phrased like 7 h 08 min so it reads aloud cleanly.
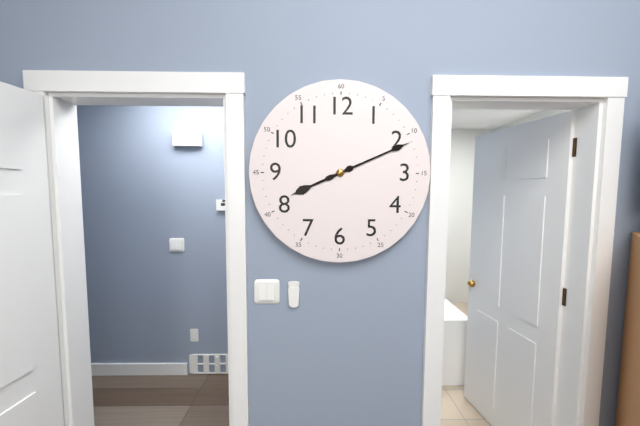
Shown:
8 h 11 min
